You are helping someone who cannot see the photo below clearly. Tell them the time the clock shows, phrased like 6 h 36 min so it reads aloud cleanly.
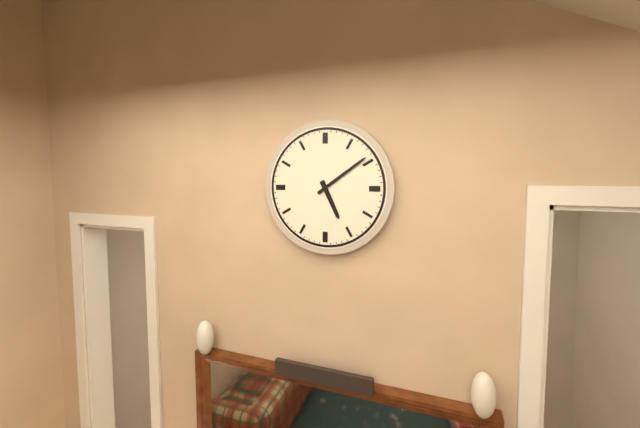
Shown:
5 h 09 min
